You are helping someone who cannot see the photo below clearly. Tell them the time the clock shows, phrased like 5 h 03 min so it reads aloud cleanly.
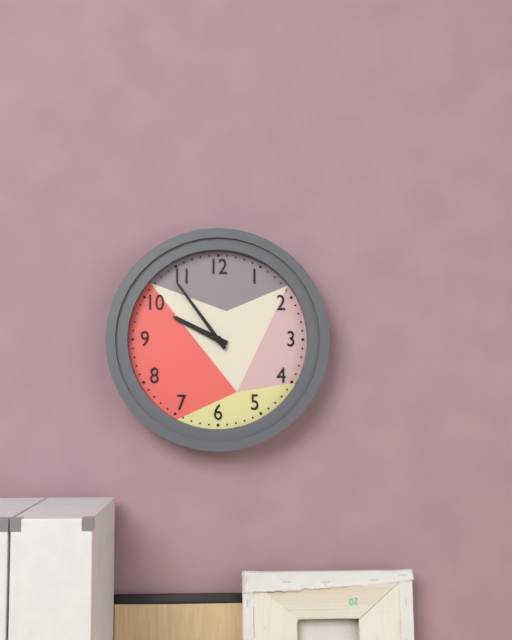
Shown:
9 h 54 min
